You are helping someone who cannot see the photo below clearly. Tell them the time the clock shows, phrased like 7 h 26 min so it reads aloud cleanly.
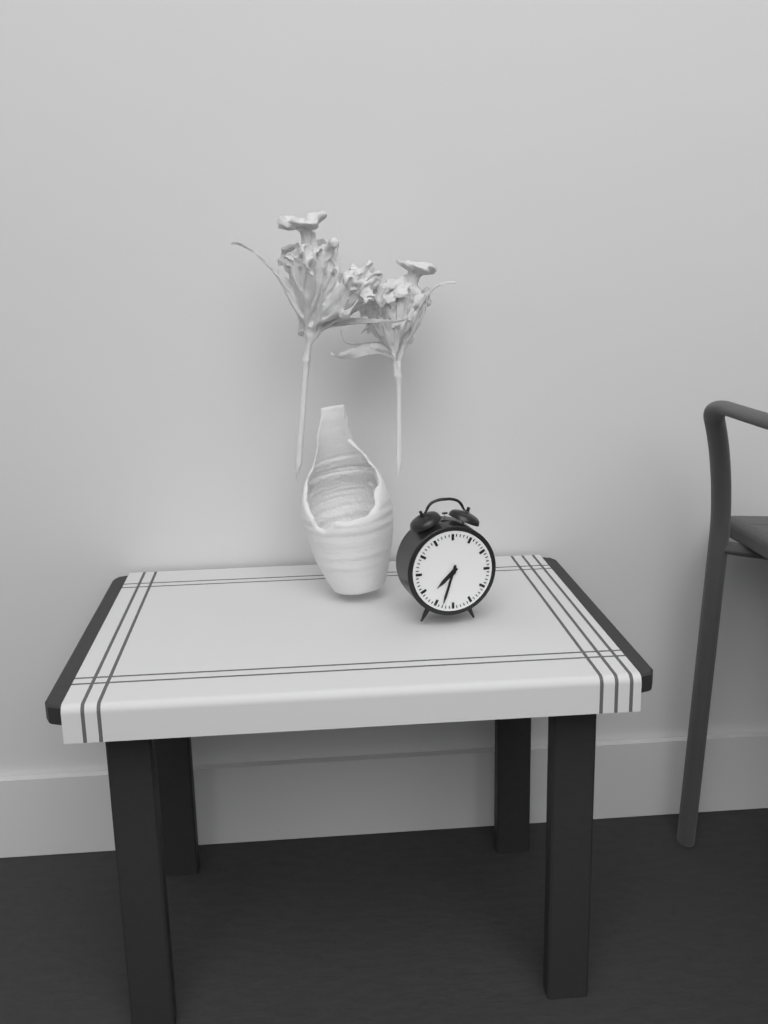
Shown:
7 h 33 min
